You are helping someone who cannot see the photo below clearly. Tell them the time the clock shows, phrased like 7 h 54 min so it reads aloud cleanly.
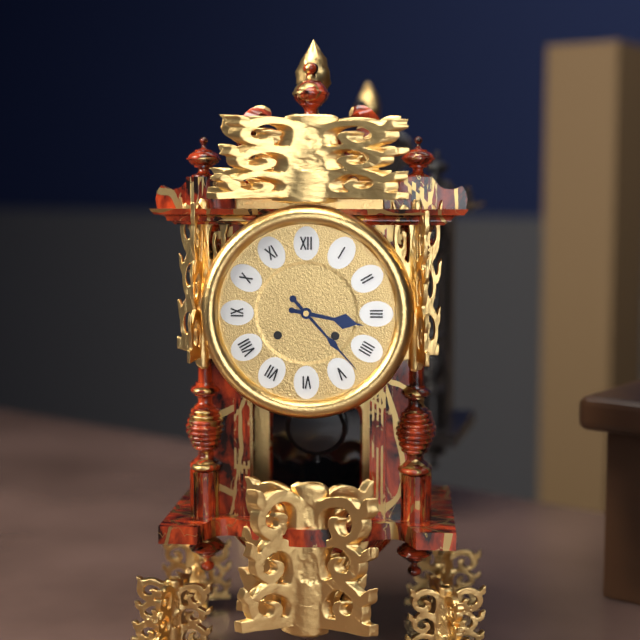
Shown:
3 h 23 min
